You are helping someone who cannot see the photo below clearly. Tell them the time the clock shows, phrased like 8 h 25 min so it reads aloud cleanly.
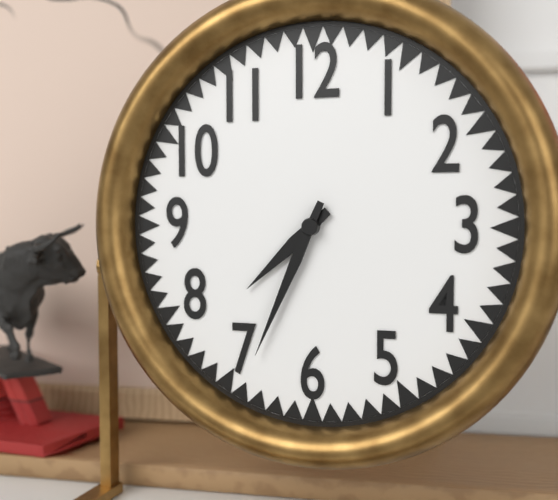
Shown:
7 h 34 min
